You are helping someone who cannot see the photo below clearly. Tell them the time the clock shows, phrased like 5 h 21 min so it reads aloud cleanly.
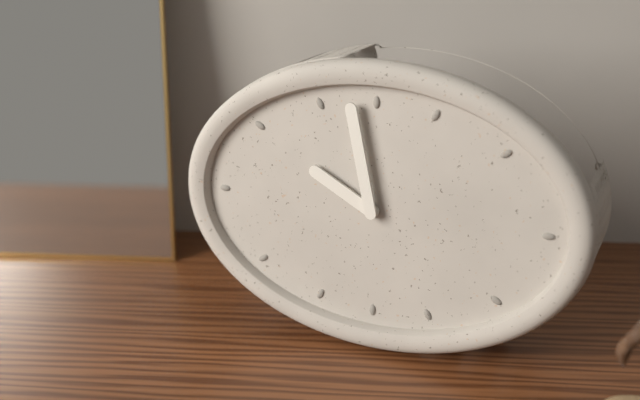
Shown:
9 h 58 min
